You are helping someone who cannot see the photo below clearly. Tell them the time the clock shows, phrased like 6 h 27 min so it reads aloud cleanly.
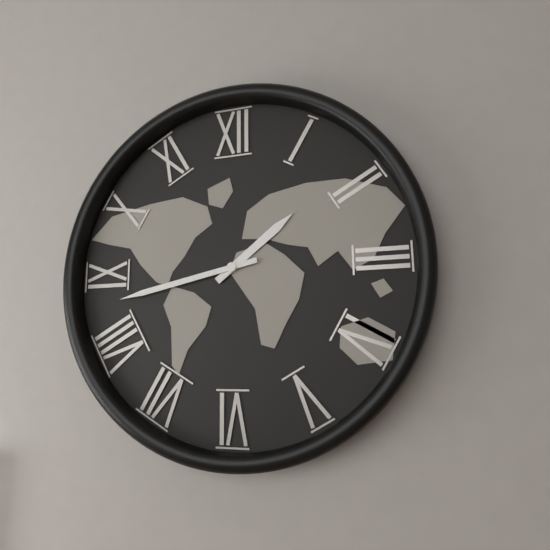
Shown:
1 h 43 min
